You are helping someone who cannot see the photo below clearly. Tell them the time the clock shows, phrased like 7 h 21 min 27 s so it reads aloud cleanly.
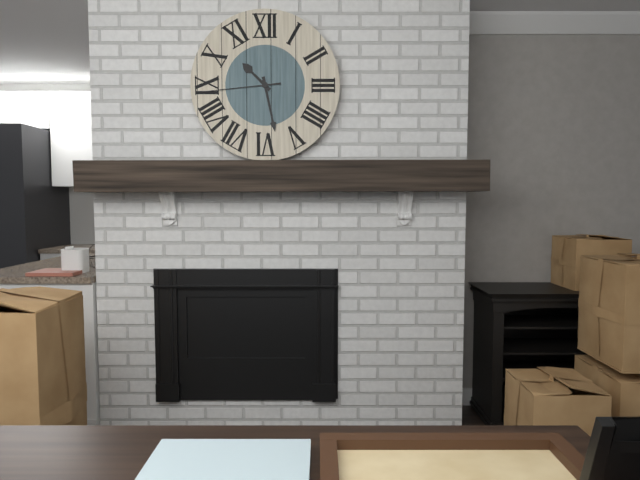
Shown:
10 h 28 min 44 s
